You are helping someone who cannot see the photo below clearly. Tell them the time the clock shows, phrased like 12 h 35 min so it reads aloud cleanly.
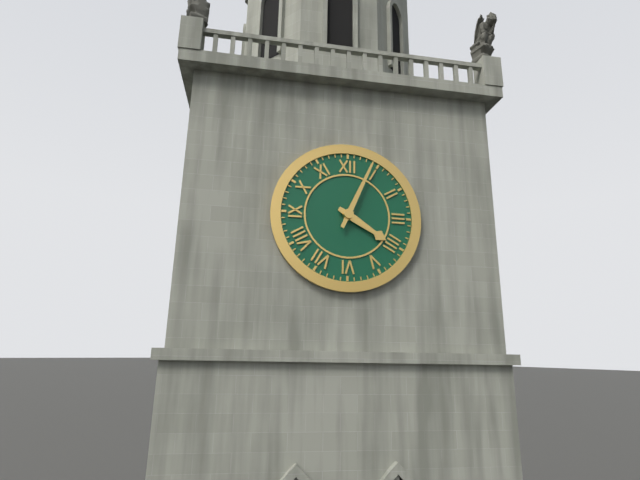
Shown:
4 h 04 min
